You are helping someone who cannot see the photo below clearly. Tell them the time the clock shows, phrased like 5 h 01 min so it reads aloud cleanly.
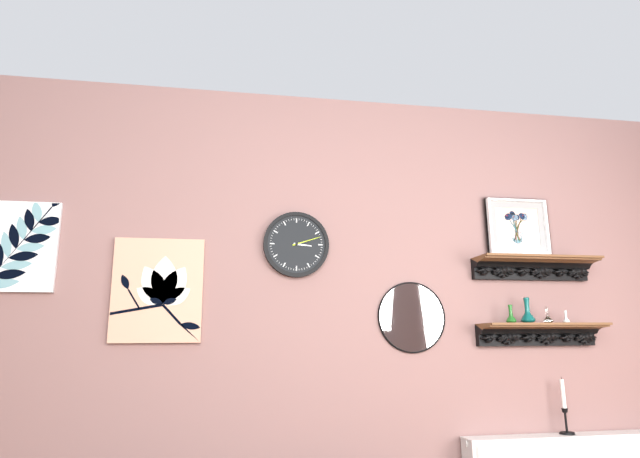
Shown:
3 h 12 min
